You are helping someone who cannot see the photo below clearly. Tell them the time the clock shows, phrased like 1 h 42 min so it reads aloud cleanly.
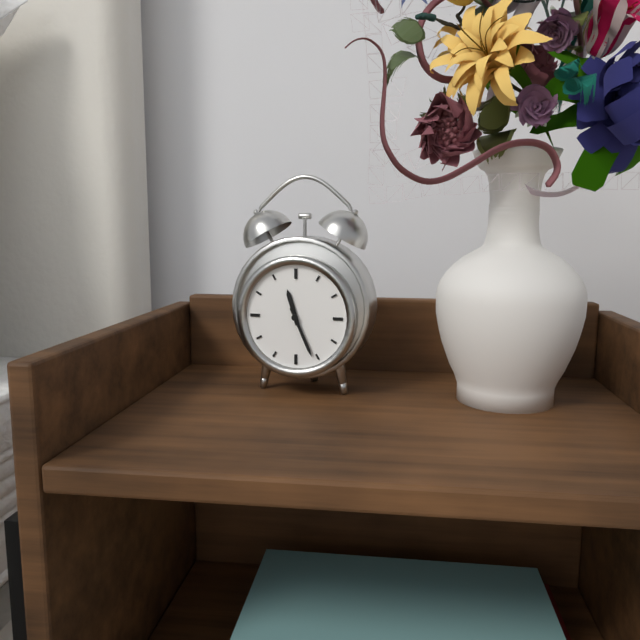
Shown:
11 h 26 min
